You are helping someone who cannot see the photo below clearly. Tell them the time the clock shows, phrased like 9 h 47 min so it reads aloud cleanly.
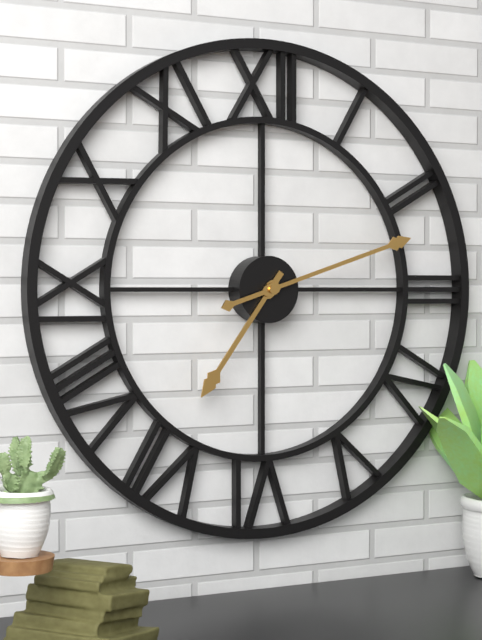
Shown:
7 h 12 min
